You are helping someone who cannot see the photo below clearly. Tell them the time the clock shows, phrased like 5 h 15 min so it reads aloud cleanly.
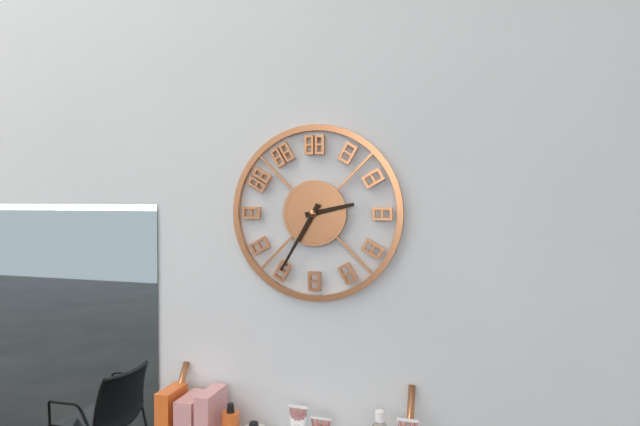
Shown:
2 h 35 min
